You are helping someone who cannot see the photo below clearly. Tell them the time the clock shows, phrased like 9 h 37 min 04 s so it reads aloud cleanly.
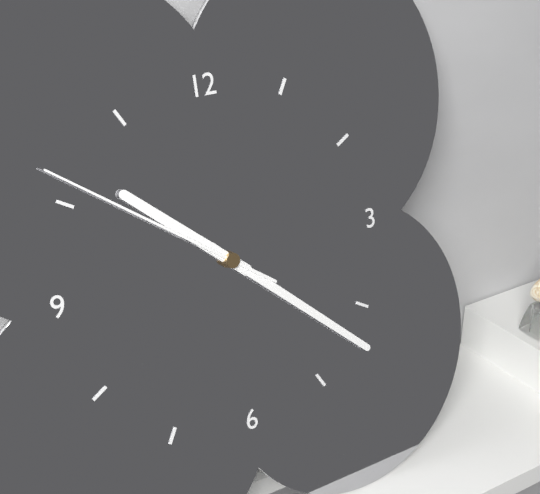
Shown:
10 h 22 min 51 s
